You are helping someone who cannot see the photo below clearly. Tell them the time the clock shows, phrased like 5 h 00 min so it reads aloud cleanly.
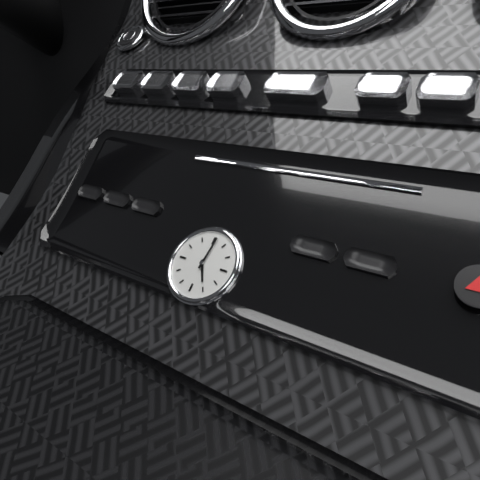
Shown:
5 h 01 min
